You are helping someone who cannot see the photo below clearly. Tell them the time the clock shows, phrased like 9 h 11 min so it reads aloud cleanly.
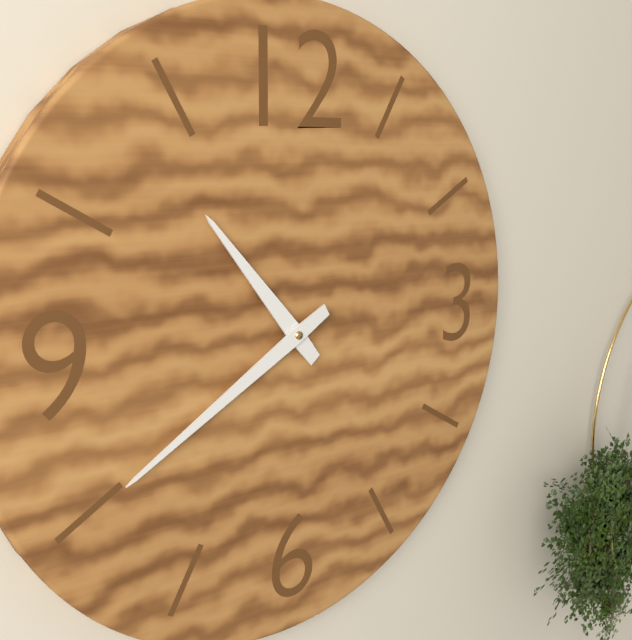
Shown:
10 h 40 min
